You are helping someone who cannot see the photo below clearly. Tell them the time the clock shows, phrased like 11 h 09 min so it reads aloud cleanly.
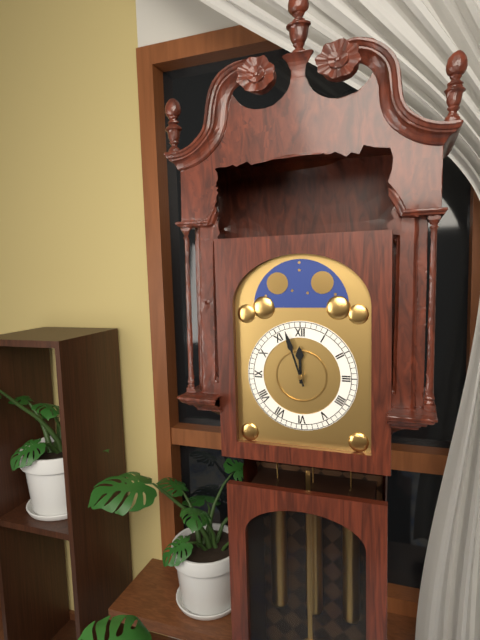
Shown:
11 h 57 min
